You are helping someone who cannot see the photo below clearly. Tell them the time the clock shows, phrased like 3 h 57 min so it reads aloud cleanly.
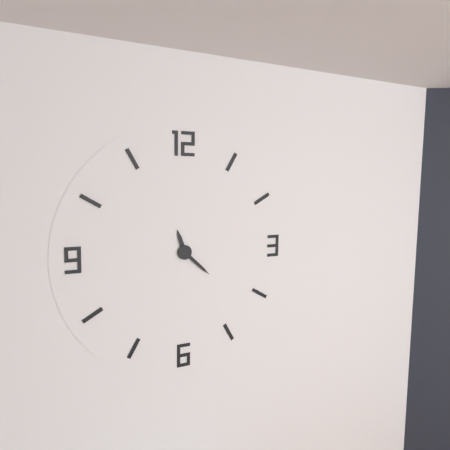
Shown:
11 h 22 min
